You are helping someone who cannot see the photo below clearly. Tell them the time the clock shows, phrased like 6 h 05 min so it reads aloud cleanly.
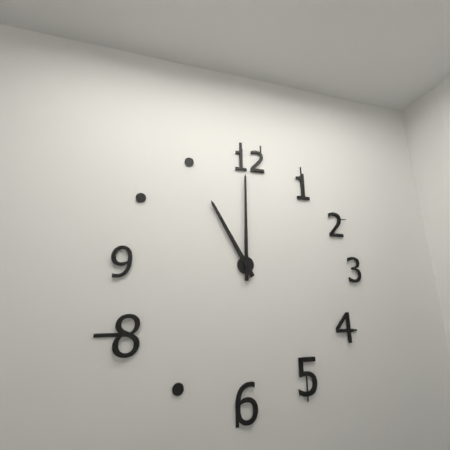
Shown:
11 h 00 min
